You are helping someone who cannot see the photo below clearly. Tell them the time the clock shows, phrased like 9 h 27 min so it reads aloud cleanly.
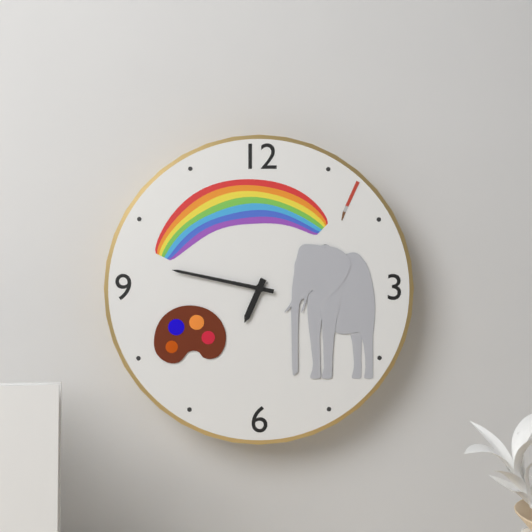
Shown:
6 h 47 min
